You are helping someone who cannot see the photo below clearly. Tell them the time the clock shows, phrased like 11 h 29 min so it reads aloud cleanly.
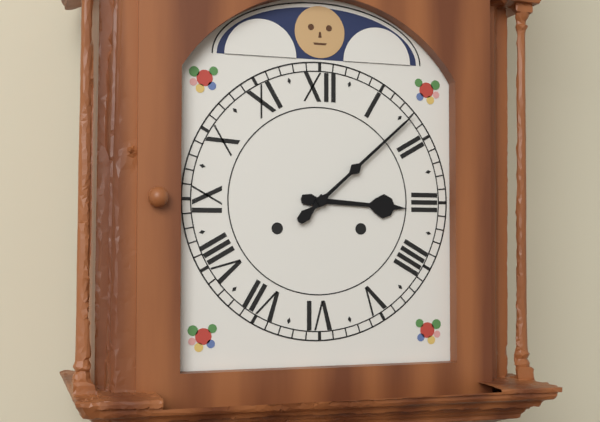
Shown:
3 h 08 min
